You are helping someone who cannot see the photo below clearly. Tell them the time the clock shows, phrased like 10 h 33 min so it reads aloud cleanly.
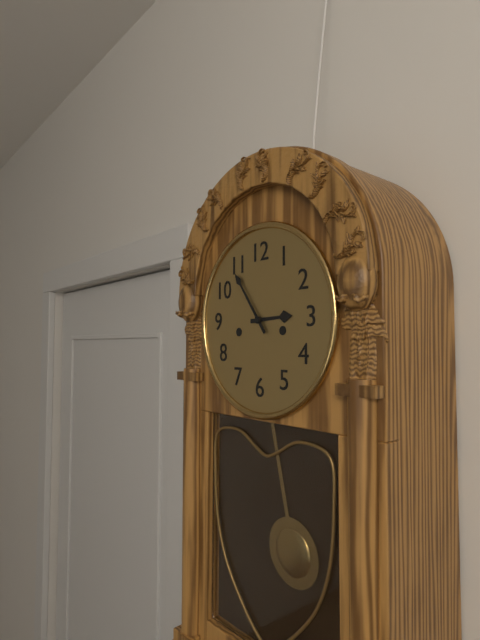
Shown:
2 h 54 min
